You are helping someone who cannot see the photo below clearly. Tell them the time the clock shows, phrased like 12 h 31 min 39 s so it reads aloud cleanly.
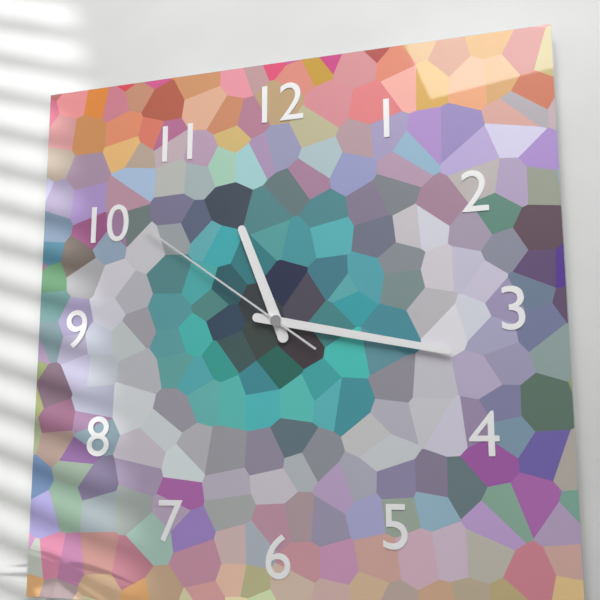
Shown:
11 h 17 min 51 s
